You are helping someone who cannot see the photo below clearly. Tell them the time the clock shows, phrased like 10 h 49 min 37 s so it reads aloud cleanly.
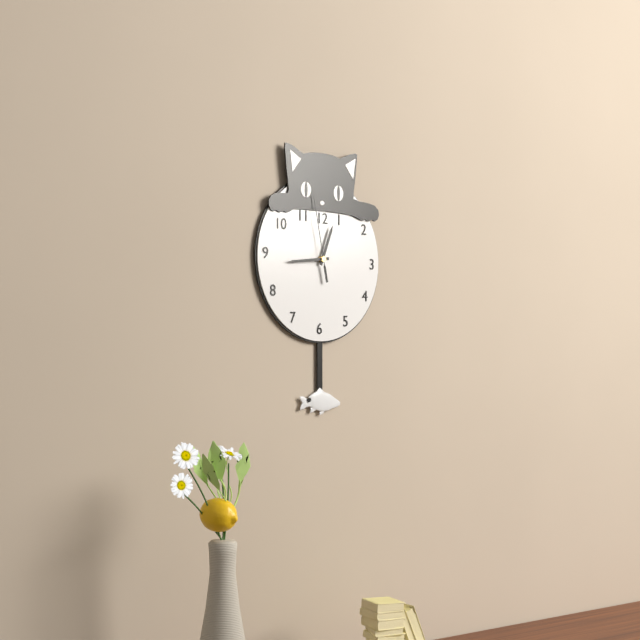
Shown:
12 h 44 min 58 s
